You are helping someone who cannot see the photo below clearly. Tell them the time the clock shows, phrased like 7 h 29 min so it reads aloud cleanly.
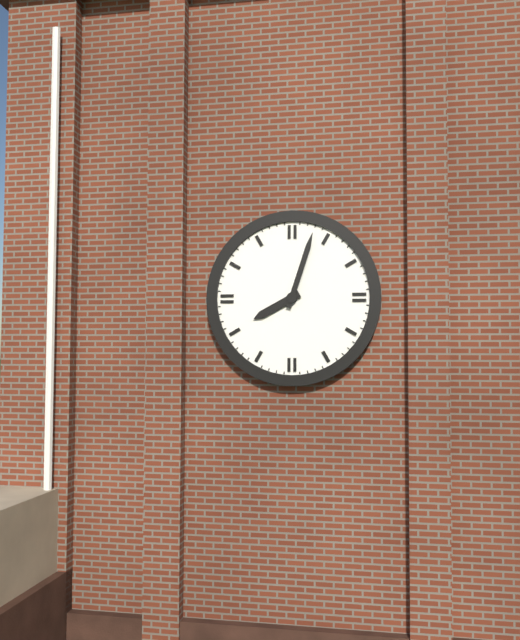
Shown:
8 h 03 min
